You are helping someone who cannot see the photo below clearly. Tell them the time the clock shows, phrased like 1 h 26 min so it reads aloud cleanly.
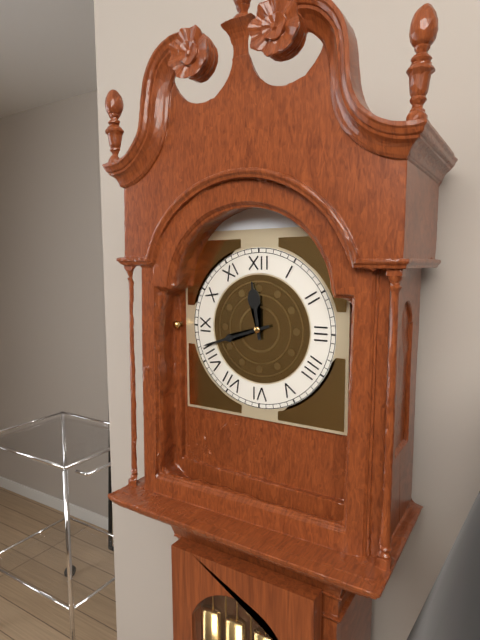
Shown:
11 h 42 min
